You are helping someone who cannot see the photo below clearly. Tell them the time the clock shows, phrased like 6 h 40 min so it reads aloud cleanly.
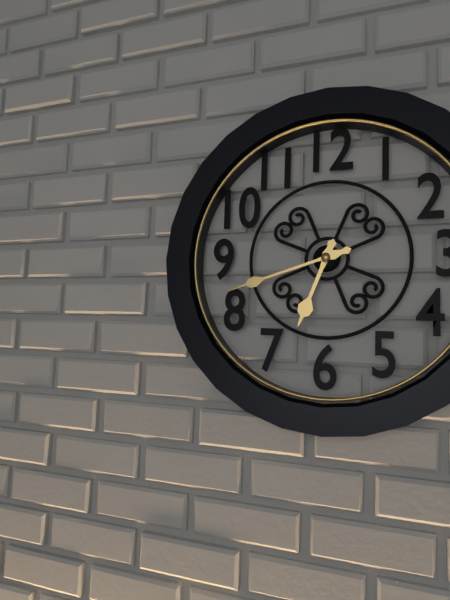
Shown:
6 h 42 min
